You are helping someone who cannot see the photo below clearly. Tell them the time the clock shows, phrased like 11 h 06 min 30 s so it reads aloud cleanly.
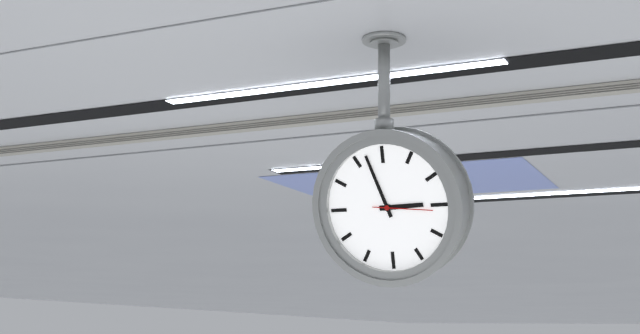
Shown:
2 h 57 min 16 s
